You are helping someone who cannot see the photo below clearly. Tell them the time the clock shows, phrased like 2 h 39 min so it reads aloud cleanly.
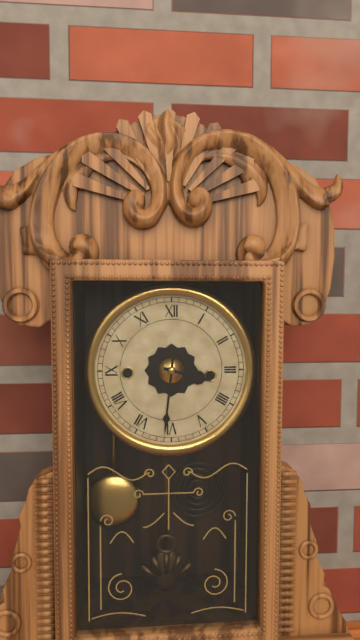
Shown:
3 h 31 min
